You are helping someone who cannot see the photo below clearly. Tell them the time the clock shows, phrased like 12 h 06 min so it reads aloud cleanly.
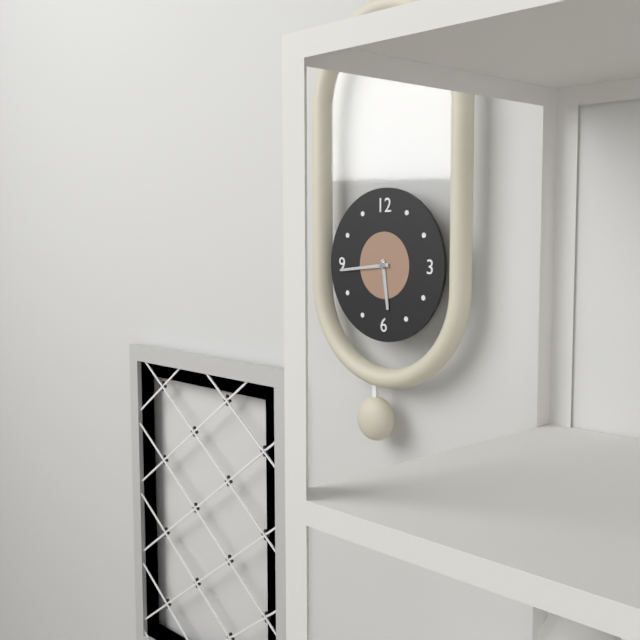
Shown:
5 h 44 min
